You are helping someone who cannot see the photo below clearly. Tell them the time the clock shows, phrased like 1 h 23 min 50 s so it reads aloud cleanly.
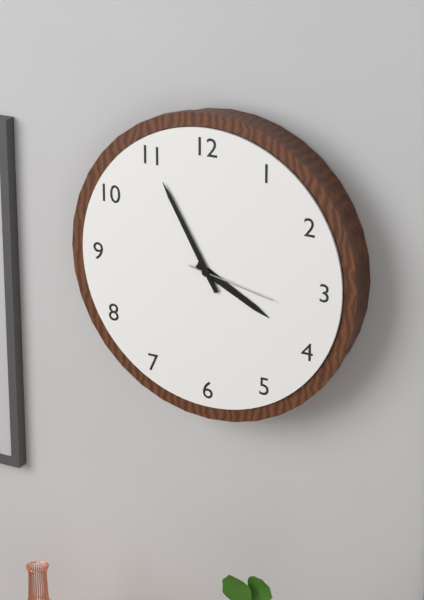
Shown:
3 h 55 min 17 s
